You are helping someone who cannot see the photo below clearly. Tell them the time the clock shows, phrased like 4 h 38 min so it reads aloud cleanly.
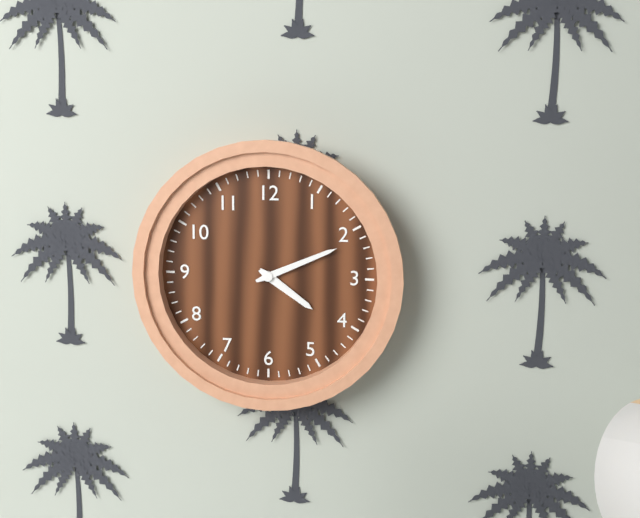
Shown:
4 h 11 min
